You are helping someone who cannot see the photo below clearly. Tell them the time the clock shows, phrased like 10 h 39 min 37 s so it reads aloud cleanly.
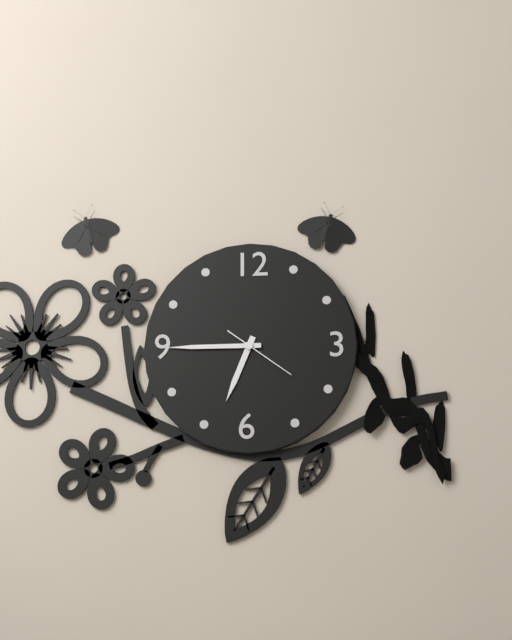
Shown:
6 h 45 min 21 s
